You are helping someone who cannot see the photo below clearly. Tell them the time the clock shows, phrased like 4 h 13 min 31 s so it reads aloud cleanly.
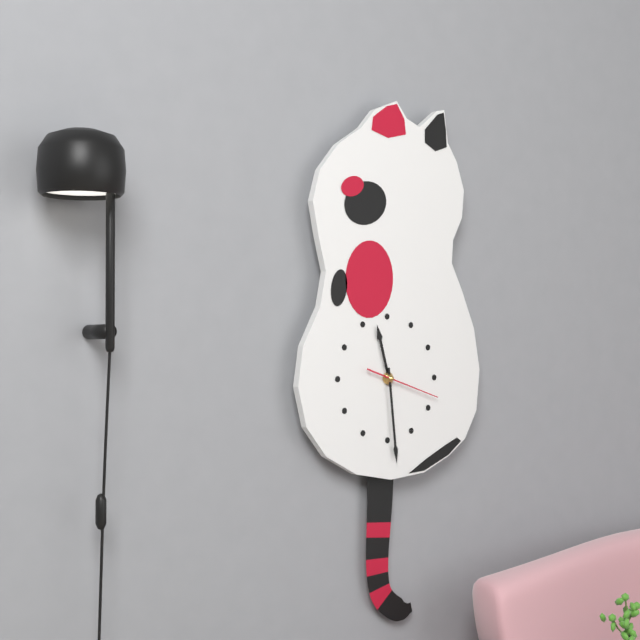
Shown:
11 h 29 min 18 s
